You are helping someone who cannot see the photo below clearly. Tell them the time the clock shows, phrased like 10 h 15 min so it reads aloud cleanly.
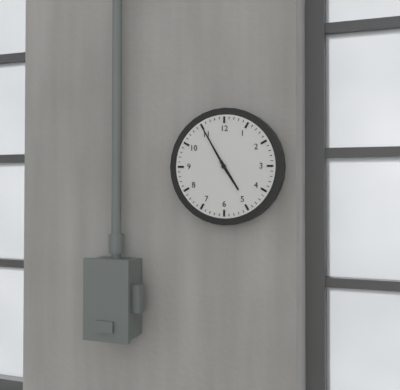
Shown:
4 h 55 min
